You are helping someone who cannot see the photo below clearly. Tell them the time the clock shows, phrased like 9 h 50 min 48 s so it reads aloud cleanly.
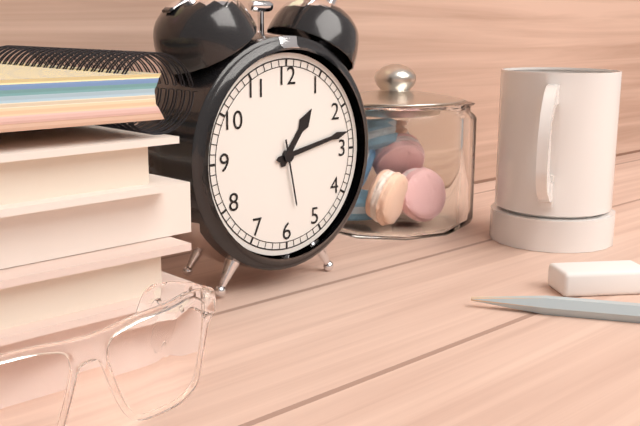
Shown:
1 h 13 min 28 s
